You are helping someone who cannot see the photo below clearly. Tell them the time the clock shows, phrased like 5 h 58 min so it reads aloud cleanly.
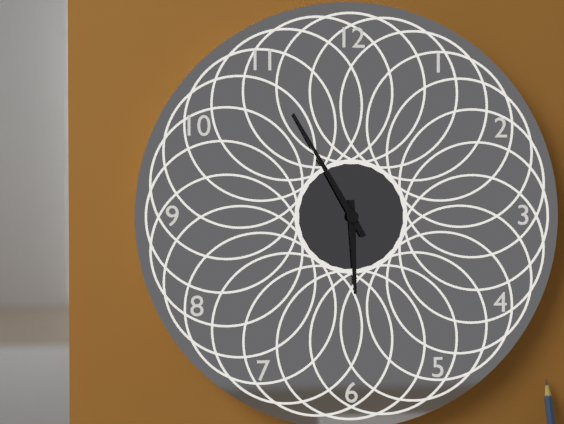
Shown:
5 h 55 min
